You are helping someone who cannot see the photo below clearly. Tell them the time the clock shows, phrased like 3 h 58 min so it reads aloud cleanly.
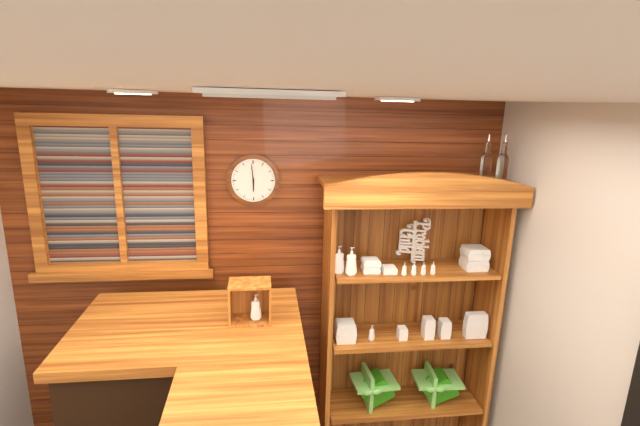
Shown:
5 h 59 min
